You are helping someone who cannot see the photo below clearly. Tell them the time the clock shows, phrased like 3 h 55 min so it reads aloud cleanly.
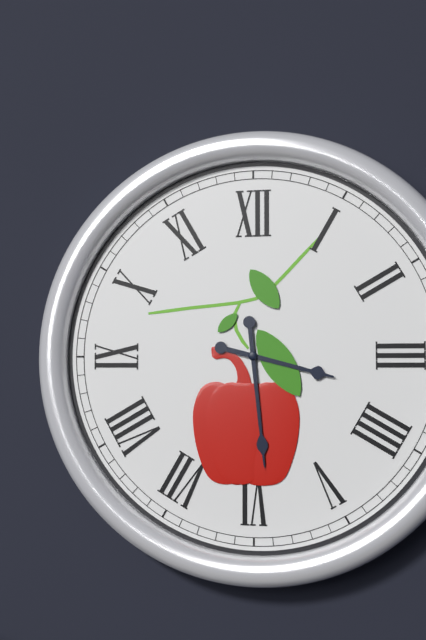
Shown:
3 h 29 min
